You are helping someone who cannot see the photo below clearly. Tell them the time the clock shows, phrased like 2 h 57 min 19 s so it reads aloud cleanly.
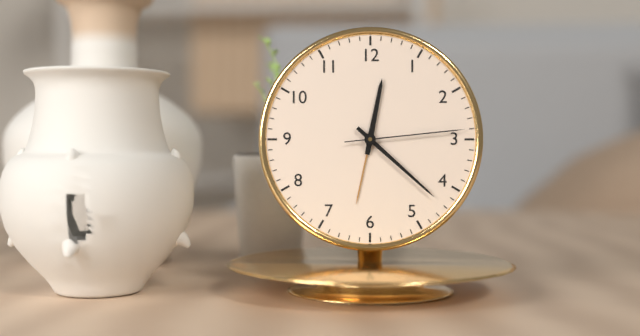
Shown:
12 h 22 min 14 s
